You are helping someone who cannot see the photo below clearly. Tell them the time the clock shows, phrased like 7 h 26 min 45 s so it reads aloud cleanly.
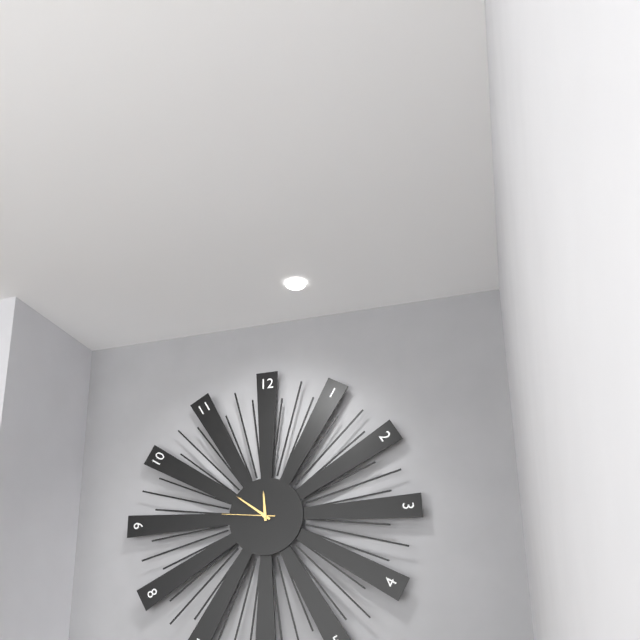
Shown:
11 h 51 min 46 s
